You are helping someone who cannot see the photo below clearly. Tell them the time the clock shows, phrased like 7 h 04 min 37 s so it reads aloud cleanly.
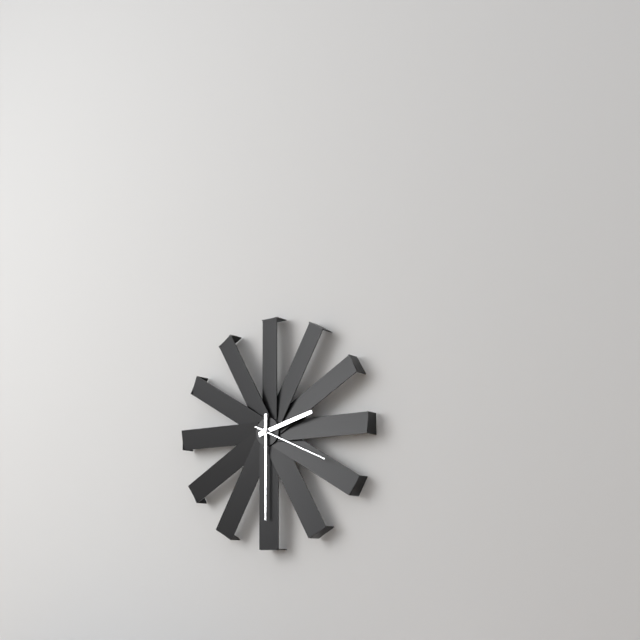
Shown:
2 h 30 min 19 s
